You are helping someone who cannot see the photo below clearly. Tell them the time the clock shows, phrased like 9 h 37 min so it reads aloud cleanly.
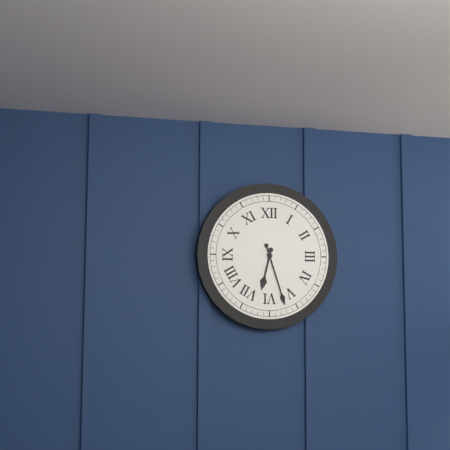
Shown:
6 h 27 min
